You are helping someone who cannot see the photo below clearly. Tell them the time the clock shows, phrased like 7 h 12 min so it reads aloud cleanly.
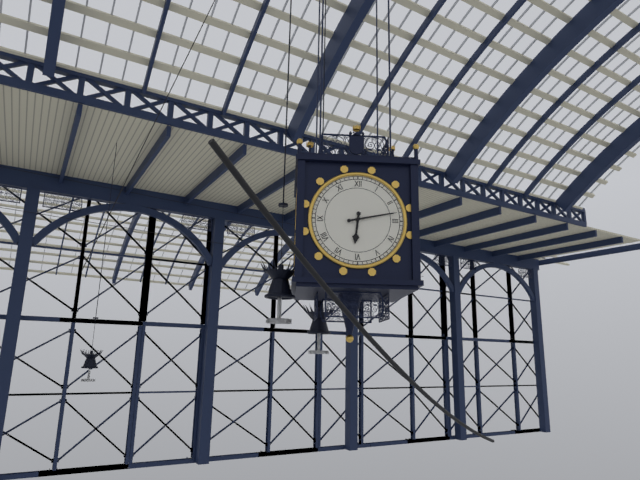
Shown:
6 h 13 min
